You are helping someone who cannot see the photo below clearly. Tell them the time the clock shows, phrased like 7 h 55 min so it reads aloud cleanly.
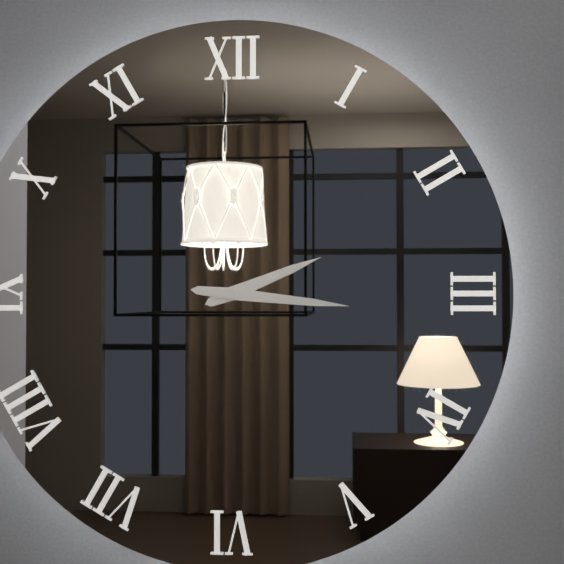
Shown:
2 h 16 min
